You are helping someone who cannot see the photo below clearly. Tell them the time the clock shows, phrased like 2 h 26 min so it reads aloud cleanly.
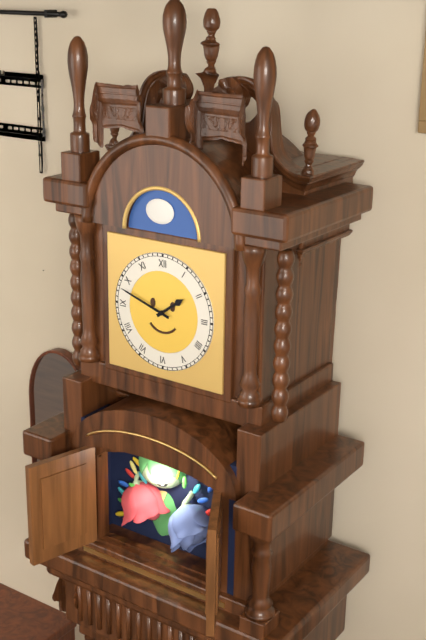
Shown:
1 h 48 min
